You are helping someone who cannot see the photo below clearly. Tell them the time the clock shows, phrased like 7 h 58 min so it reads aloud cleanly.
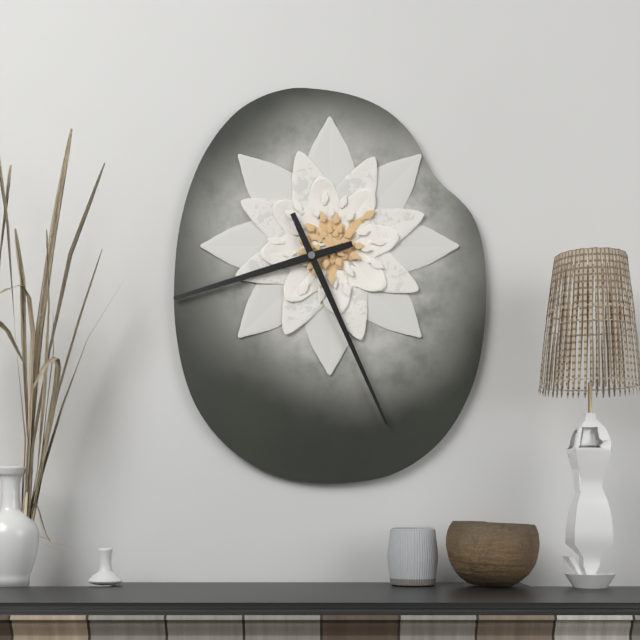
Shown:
8 h 26 min
